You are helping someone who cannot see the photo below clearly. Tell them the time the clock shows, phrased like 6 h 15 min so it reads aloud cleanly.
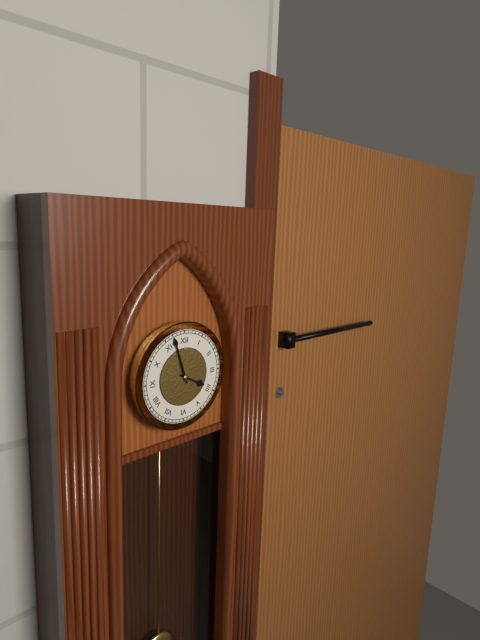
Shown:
3 h 57 min
